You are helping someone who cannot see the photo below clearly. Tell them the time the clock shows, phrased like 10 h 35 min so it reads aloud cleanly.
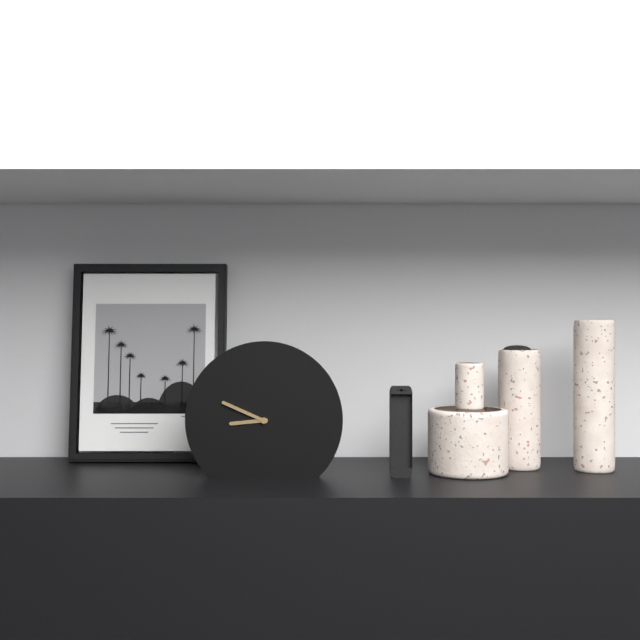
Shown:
8 h 49 min
